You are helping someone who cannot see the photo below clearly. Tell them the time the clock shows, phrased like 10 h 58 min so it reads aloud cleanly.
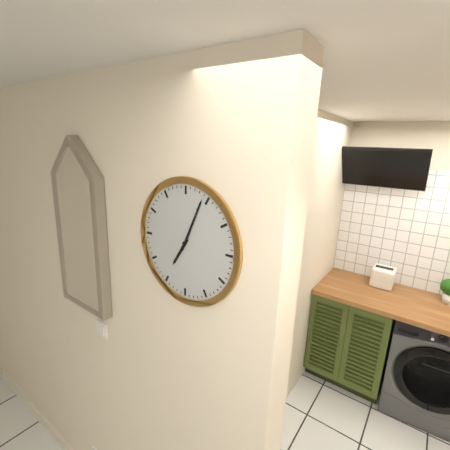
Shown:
7 h 04 min
